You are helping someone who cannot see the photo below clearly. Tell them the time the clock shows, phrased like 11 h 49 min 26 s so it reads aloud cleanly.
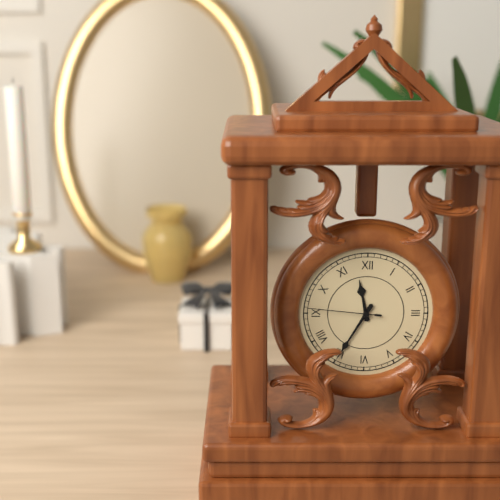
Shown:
11 h 35 min 46 s
